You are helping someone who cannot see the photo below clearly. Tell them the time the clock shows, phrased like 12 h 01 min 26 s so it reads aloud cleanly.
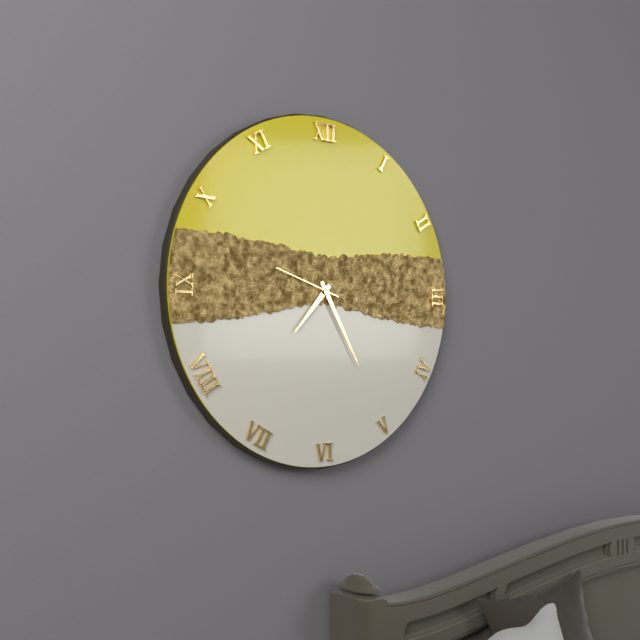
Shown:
7 h 25 min 48 s
